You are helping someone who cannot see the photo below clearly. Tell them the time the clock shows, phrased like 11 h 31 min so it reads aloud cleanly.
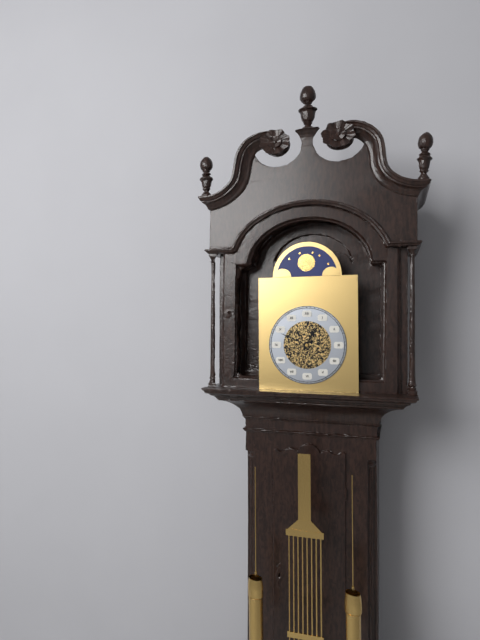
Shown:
12 h 49 min
